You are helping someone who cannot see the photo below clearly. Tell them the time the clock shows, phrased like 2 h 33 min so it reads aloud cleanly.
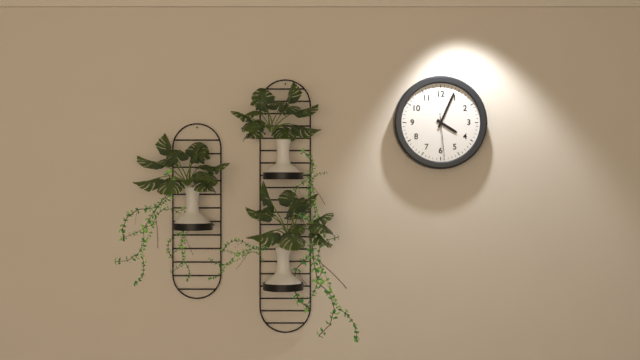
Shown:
4 h 04 min
